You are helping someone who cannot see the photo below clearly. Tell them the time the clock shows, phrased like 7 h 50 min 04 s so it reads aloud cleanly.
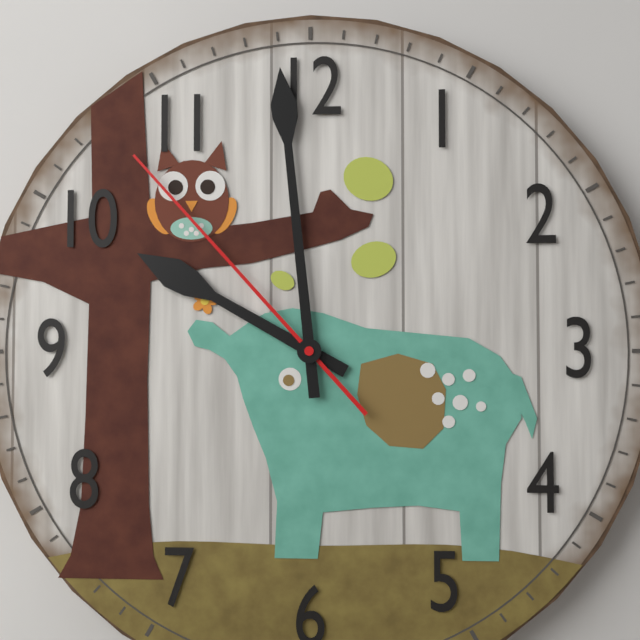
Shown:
9 h 59 min 53 s
